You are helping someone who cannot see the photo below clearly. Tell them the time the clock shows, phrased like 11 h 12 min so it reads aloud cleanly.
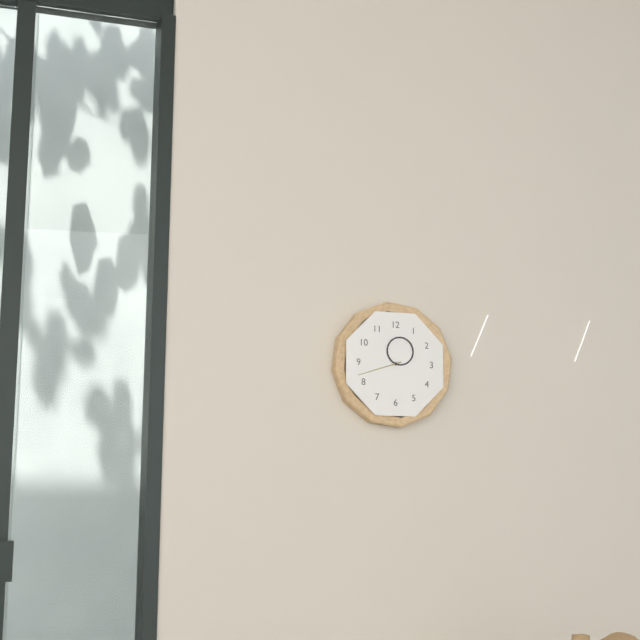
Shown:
12 h 42 min
